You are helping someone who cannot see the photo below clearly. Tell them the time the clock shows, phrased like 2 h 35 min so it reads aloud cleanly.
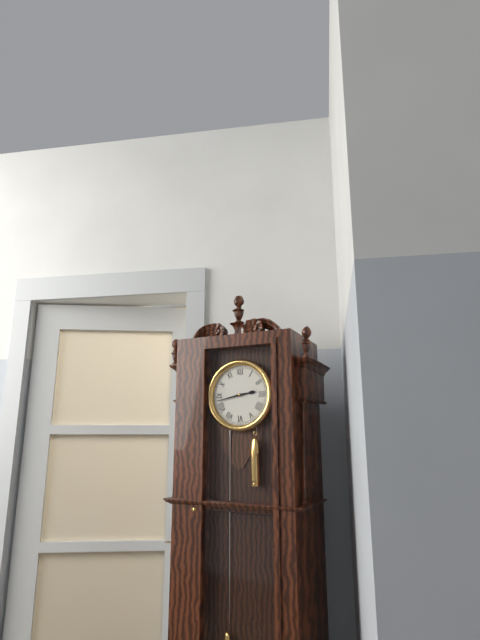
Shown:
2 h 43 min
